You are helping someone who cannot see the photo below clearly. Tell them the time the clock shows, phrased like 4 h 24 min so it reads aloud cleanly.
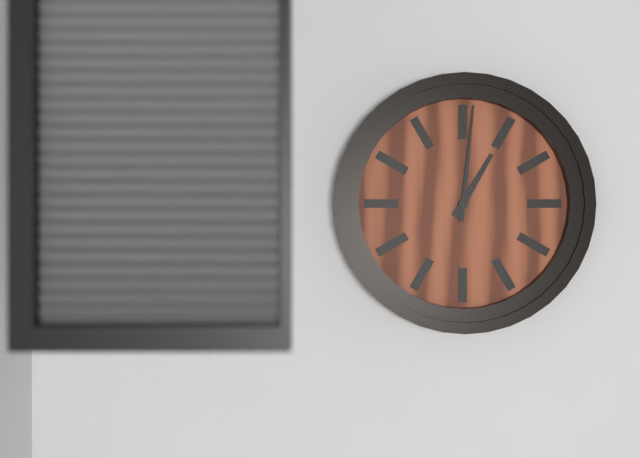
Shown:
1 h 01 min
